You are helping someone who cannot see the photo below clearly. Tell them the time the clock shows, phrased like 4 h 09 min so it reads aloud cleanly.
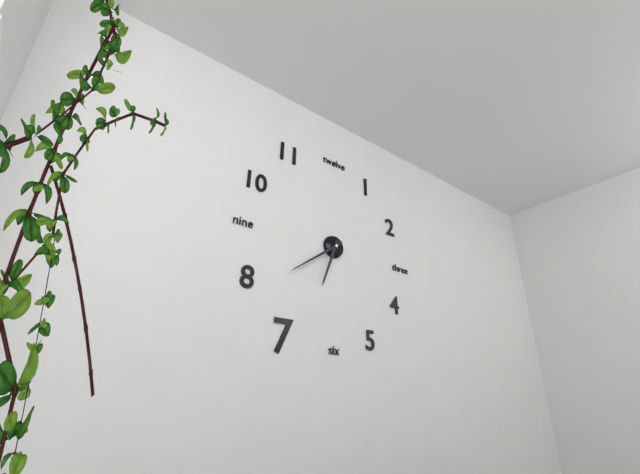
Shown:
6 h 39 min
